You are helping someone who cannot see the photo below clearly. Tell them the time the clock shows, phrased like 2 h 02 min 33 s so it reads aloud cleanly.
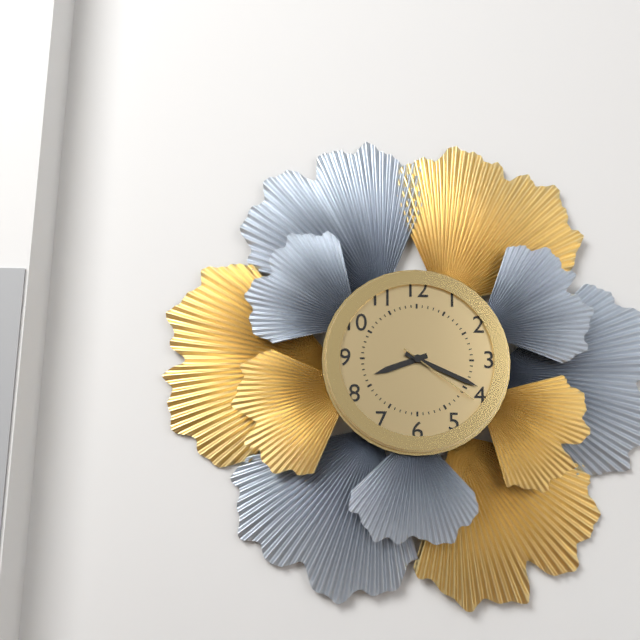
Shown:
8 h 19 min 21 s
